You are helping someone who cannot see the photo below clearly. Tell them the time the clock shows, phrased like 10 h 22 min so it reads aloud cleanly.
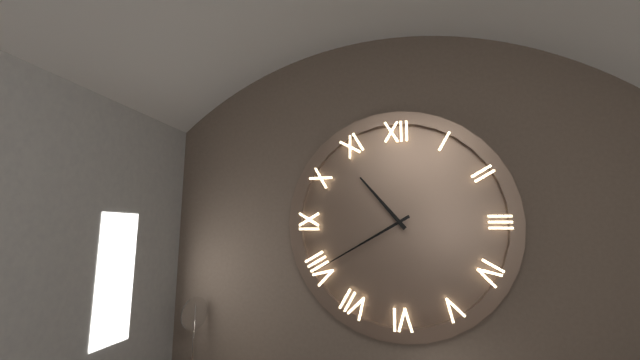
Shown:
10 h 40 min
